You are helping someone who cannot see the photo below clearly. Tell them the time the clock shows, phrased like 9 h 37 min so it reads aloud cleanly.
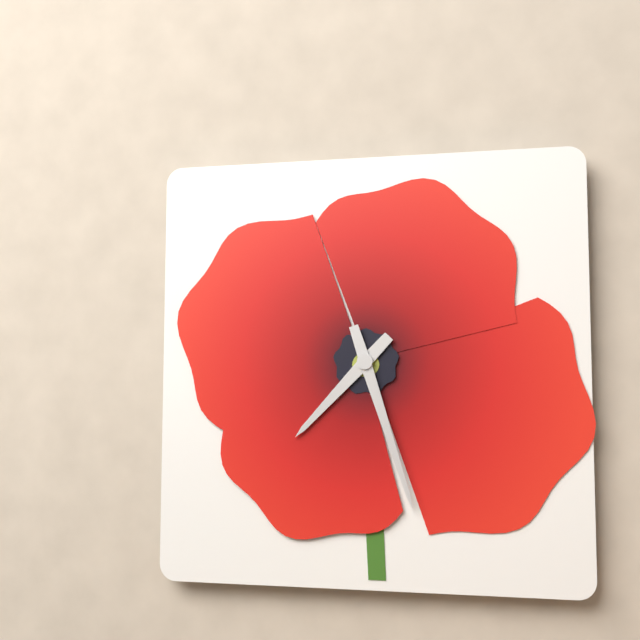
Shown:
7 h 27 min
